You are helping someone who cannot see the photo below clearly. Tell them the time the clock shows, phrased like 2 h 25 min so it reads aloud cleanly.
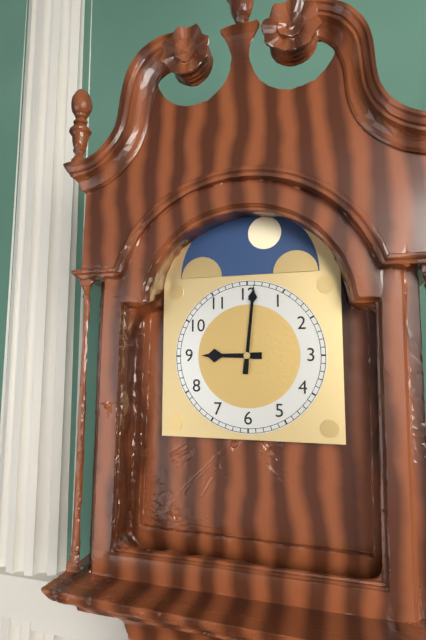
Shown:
9 h 01 min
